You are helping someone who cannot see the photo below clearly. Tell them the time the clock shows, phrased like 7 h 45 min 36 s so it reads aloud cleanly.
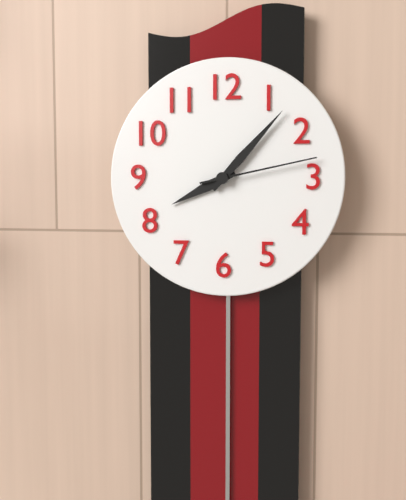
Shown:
8 h 07 min 13 s
